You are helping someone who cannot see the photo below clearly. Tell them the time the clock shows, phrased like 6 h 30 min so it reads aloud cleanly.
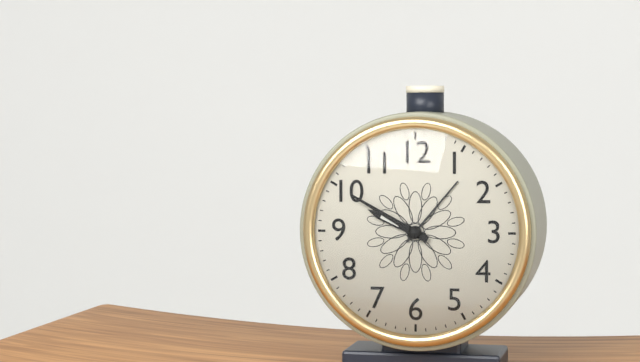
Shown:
9 h 50 min
